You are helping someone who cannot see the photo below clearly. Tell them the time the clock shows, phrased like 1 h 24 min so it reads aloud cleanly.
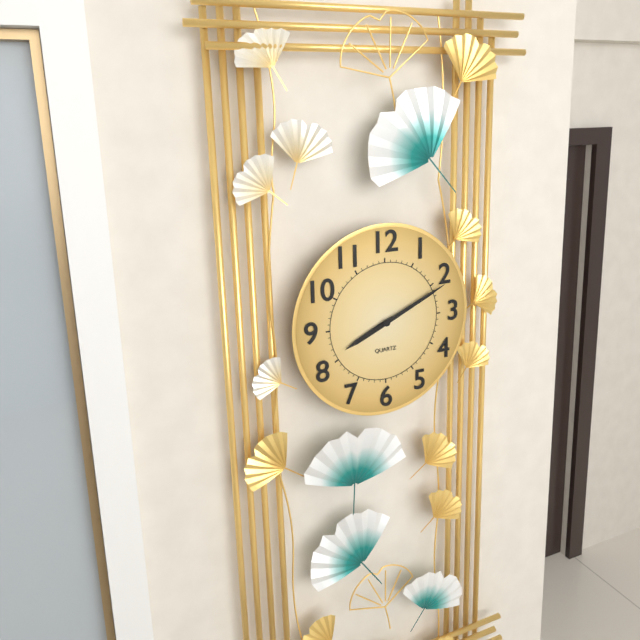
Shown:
8 h 11 min
